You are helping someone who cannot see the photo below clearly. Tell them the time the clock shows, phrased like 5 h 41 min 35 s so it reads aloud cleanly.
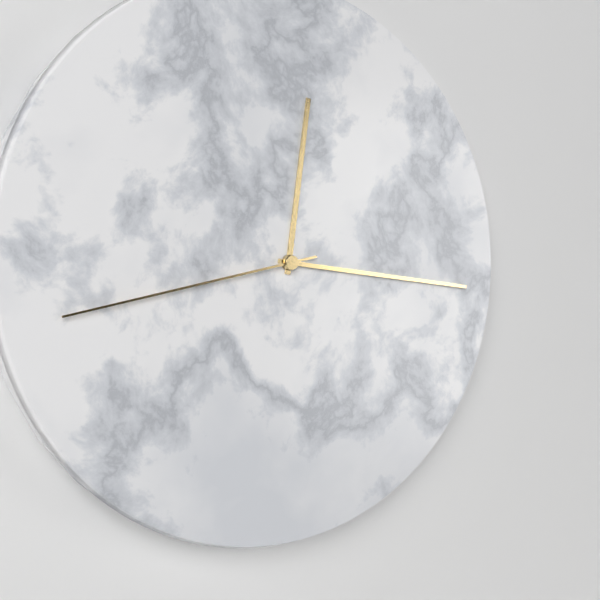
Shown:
12 h 16 min 43 s
